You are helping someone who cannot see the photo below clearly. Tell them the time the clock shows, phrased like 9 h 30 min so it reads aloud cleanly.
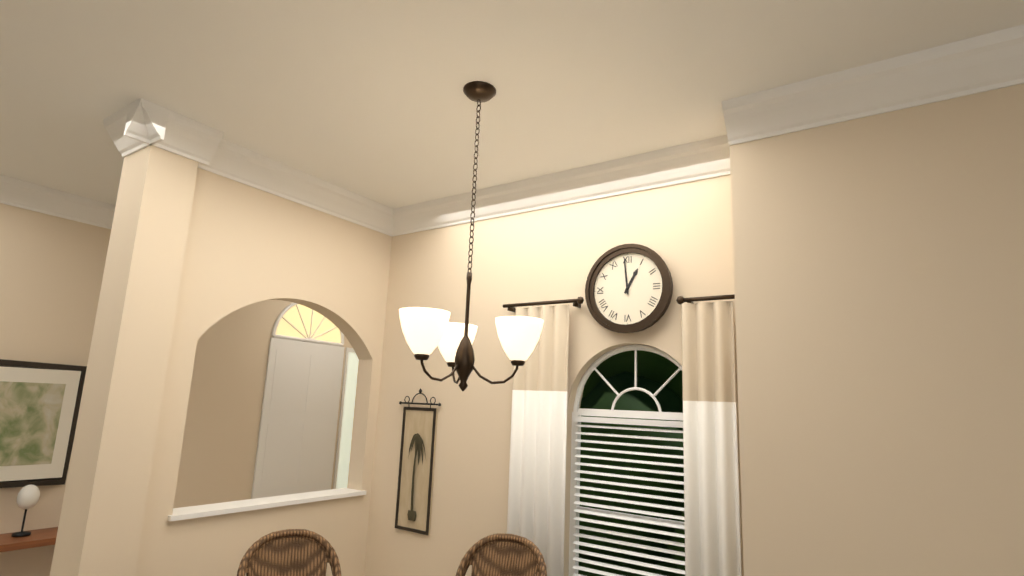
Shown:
12 h 59 min
